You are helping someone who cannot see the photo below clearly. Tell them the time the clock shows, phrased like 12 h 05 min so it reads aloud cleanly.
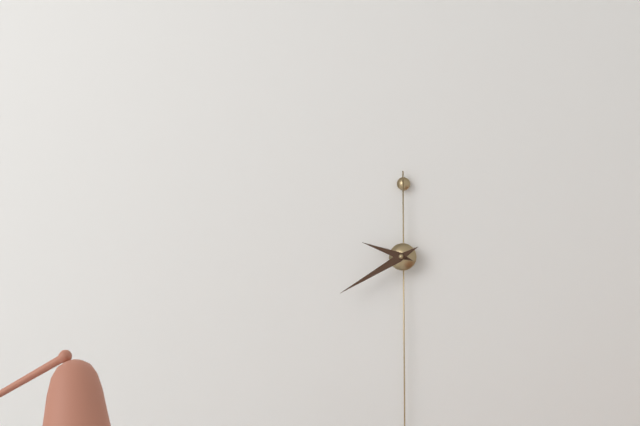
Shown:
9 h 40 min
